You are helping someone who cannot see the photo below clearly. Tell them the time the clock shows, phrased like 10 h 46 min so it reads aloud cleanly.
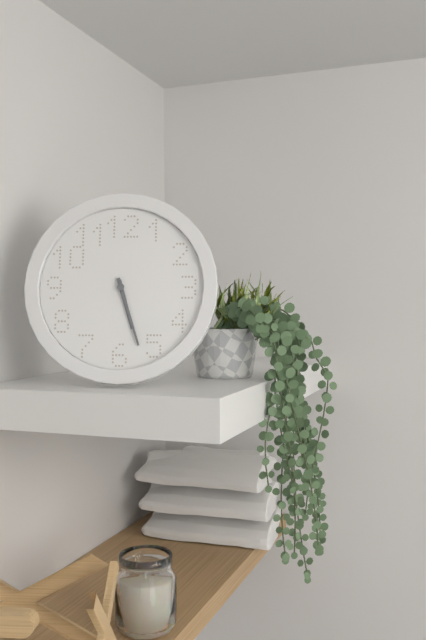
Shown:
5 h 27 min
